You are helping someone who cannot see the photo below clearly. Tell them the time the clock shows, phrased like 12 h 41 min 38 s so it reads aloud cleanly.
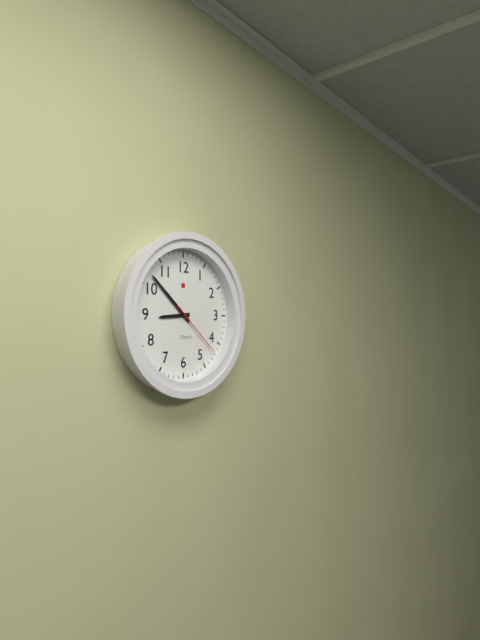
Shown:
8 h 52 min 22 s
